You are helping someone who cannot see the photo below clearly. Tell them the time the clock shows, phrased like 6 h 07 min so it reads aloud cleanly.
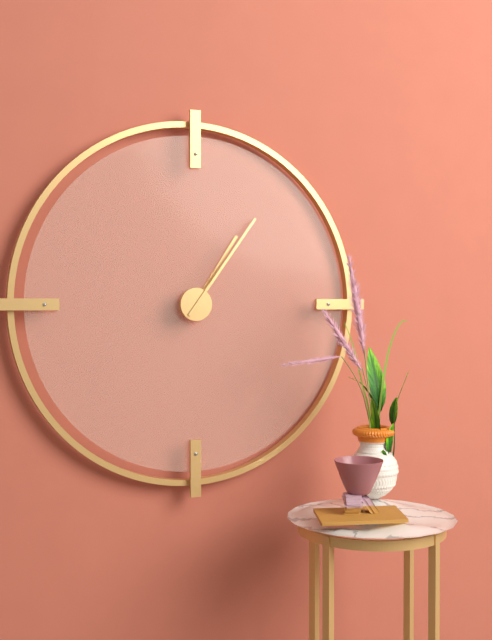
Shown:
1 h 06 min
